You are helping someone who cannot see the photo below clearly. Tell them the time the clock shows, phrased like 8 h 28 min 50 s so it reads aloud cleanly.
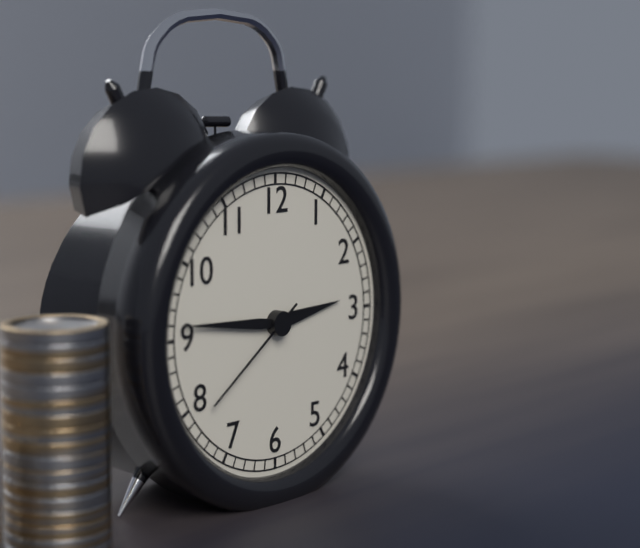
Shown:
2 h 46 min 39 s
